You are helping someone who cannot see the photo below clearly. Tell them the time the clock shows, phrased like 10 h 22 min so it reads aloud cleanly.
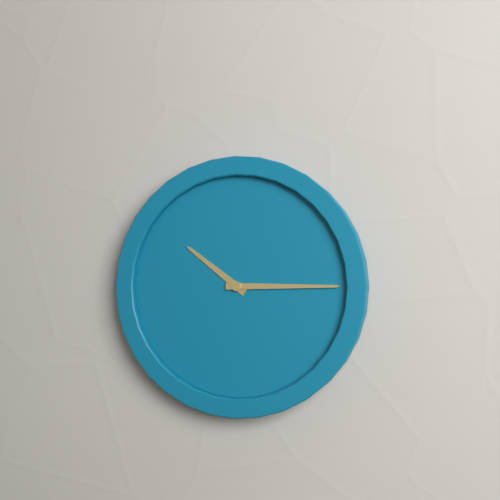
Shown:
10 h 15 min
